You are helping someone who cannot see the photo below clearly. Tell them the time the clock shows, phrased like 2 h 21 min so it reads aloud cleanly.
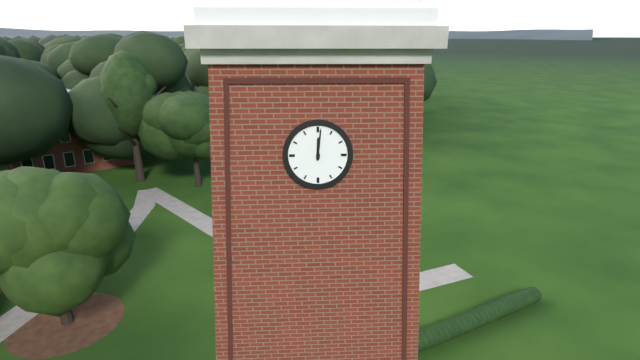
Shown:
12 h 01 min
